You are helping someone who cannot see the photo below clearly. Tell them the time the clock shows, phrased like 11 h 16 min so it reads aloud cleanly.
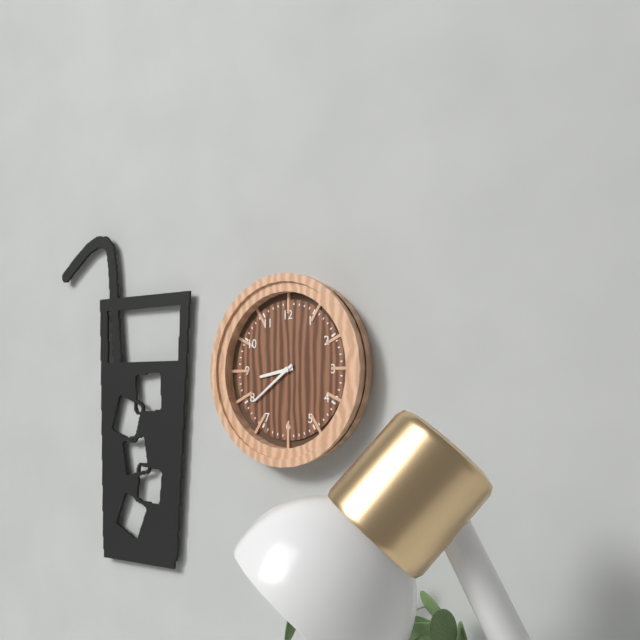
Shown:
8 h 39 min
